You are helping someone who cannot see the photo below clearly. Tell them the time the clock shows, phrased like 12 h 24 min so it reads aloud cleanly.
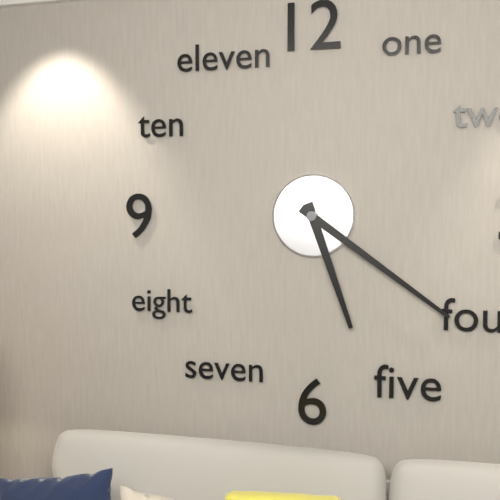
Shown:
5 h 21 min
